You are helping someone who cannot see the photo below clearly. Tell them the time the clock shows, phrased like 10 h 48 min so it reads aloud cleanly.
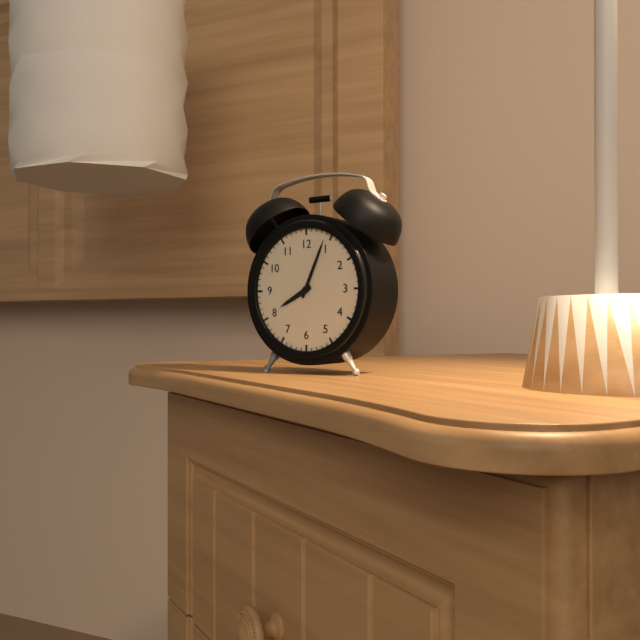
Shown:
8 h 04 min
